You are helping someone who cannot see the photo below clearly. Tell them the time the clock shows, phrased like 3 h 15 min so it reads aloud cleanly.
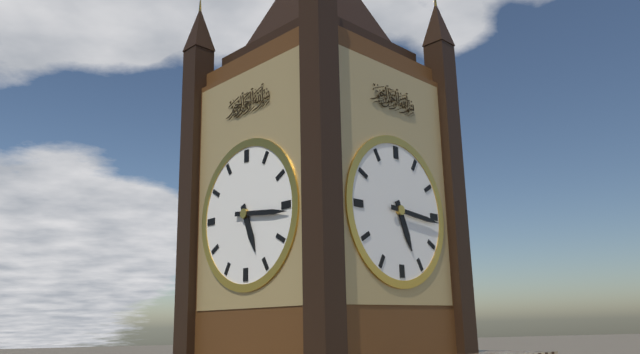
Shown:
5 h 16 min
